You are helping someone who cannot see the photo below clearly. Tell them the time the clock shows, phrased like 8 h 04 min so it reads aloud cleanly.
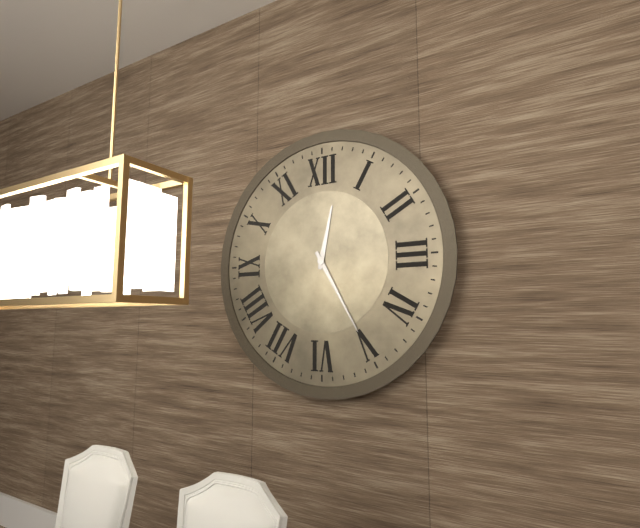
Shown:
12 h 25 min
